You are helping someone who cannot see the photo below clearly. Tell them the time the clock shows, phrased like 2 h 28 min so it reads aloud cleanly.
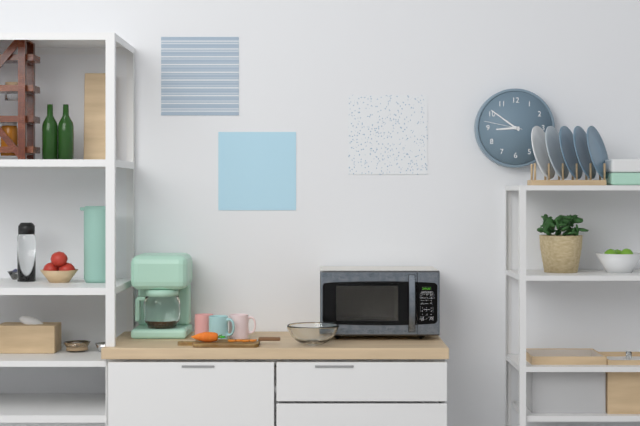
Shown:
8 h 51 min
